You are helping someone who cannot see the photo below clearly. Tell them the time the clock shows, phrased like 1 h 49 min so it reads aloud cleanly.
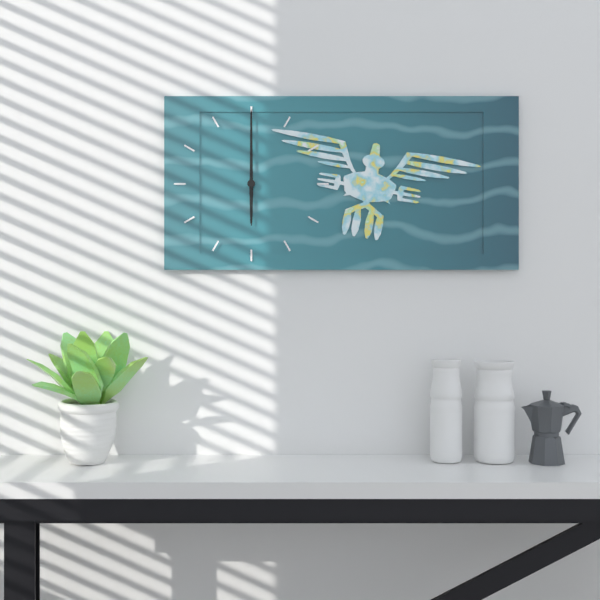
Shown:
6 h 00 min
